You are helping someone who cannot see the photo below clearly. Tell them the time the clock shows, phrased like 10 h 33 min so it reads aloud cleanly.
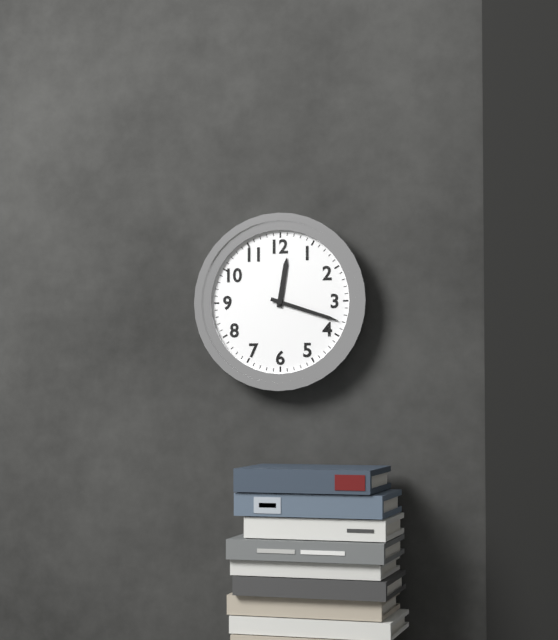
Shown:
12 h 18 min
